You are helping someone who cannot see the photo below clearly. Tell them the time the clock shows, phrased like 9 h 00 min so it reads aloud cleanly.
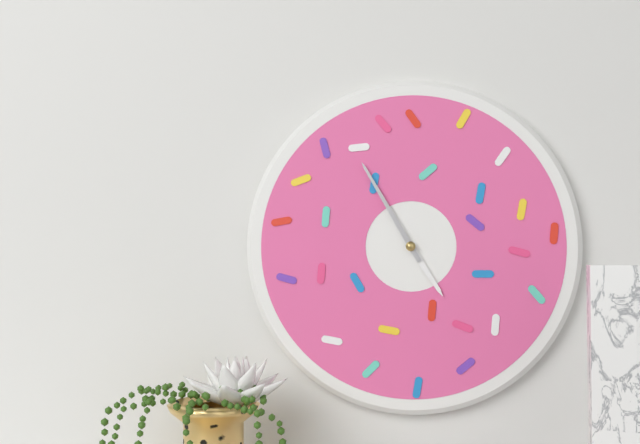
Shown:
4 h 55 min
